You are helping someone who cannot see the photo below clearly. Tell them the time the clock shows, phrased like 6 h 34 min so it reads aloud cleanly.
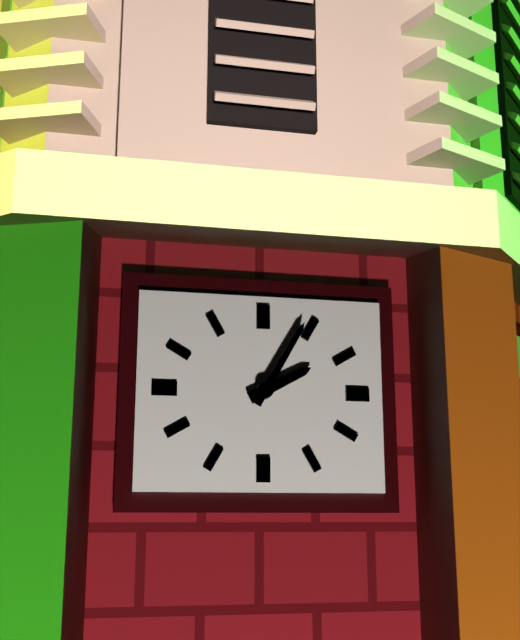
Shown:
2 h 05 min
